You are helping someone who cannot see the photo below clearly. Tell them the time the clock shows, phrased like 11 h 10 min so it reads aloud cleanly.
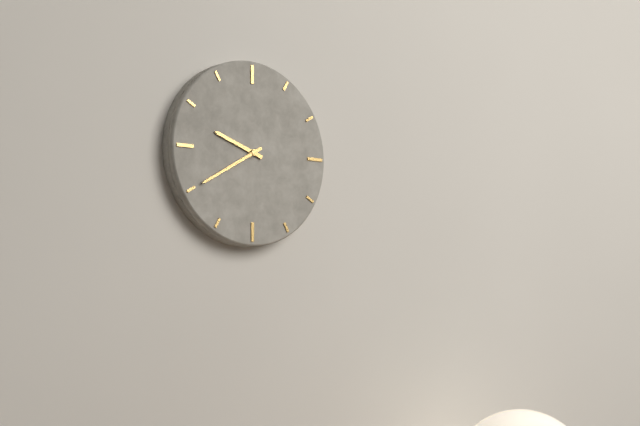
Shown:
9 h 40 min
